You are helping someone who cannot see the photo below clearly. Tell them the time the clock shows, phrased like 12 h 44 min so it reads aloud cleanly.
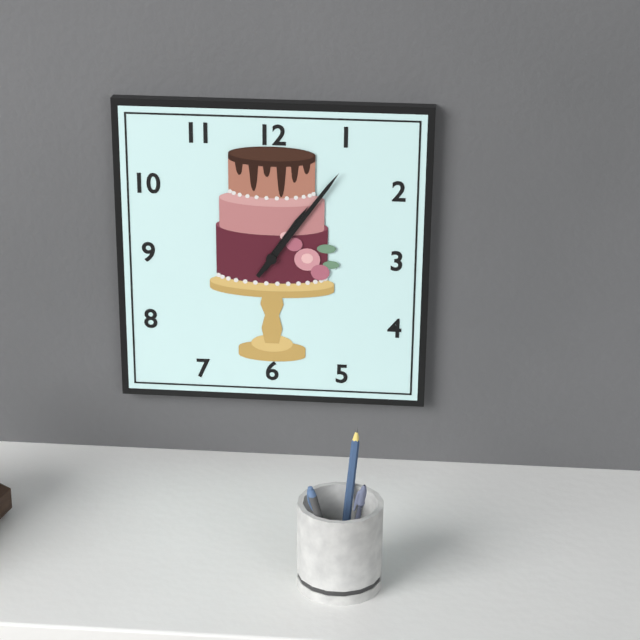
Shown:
1 h 06 min
